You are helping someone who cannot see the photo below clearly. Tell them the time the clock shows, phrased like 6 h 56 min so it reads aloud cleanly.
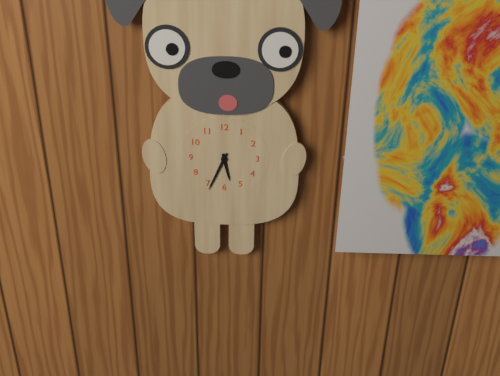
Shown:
5 h 34 min
